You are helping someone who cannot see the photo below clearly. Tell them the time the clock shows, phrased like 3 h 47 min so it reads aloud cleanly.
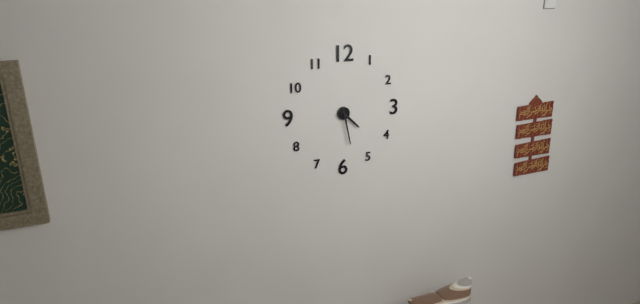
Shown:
4 h 28 min
